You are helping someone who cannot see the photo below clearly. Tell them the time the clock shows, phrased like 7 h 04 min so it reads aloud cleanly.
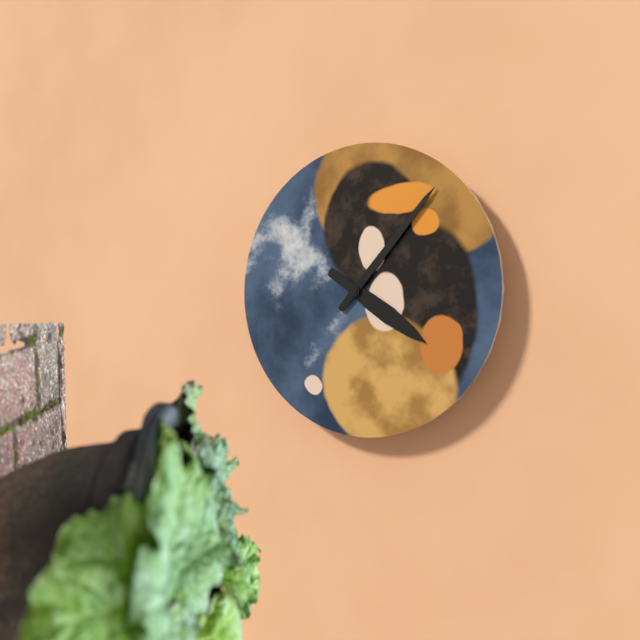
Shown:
4 h 07 min
